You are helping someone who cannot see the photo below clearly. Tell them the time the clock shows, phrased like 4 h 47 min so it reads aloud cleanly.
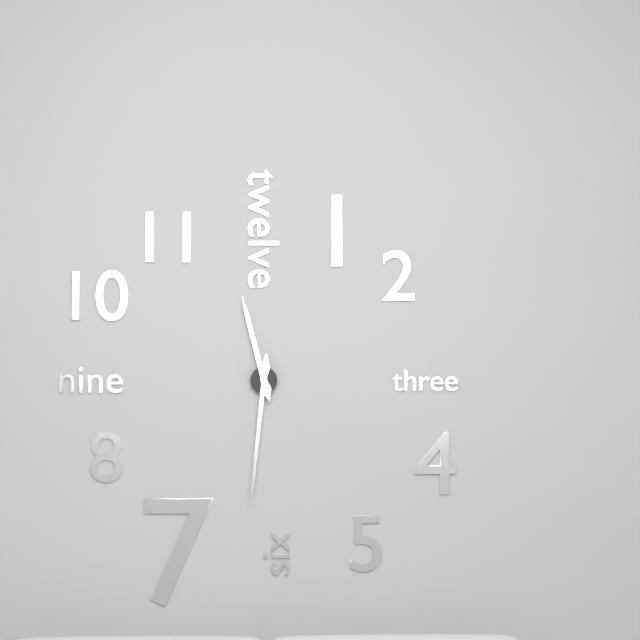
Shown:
11 h 31 min
